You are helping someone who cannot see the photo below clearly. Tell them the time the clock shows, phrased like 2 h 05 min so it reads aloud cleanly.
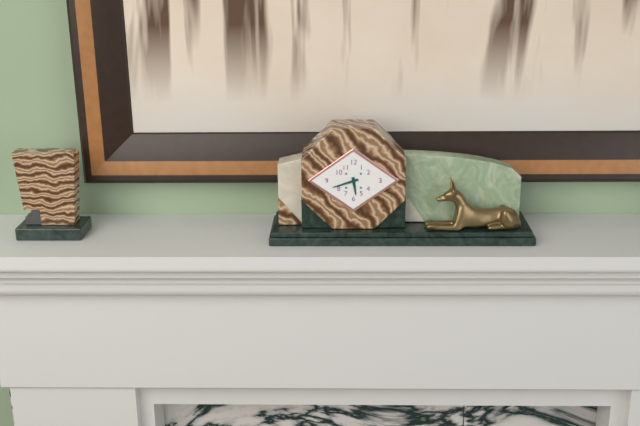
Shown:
5 h 42 min
